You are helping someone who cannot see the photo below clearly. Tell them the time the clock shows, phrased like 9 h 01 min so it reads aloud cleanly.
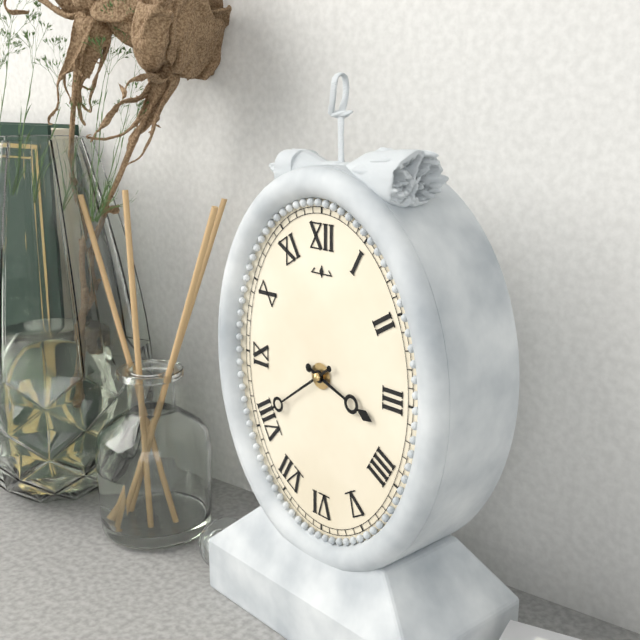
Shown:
3 h 39 min
